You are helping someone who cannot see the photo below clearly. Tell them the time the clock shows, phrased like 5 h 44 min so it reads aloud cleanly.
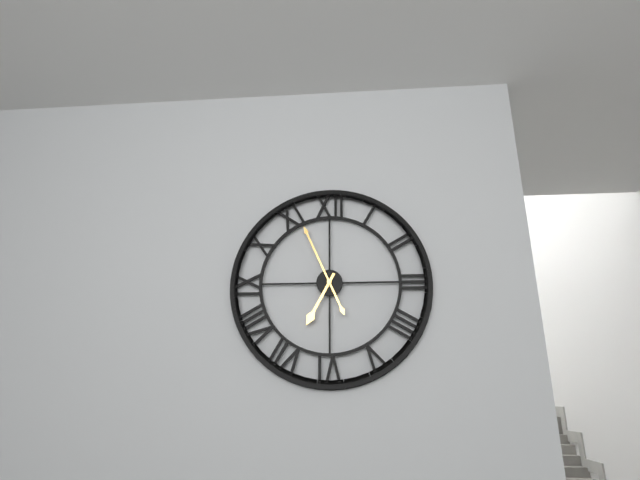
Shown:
6 h 56 min
